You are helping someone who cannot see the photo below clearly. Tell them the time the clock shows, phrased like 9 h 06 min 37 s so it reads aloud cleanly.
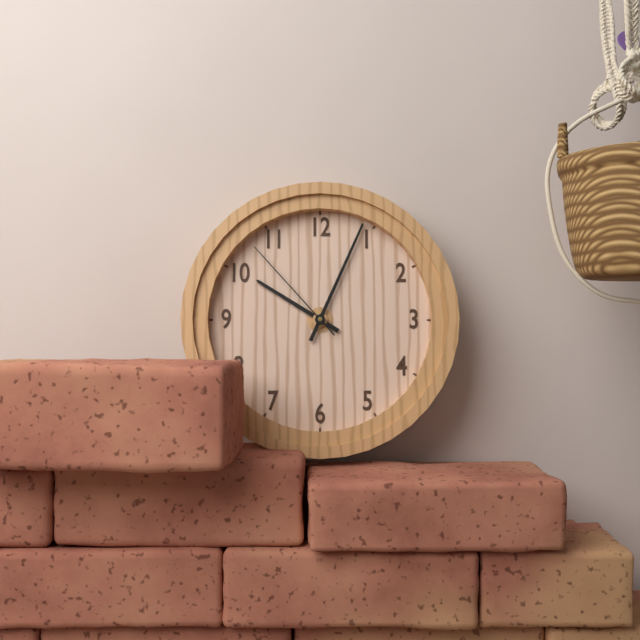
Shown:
10 h 04 min 53 s
